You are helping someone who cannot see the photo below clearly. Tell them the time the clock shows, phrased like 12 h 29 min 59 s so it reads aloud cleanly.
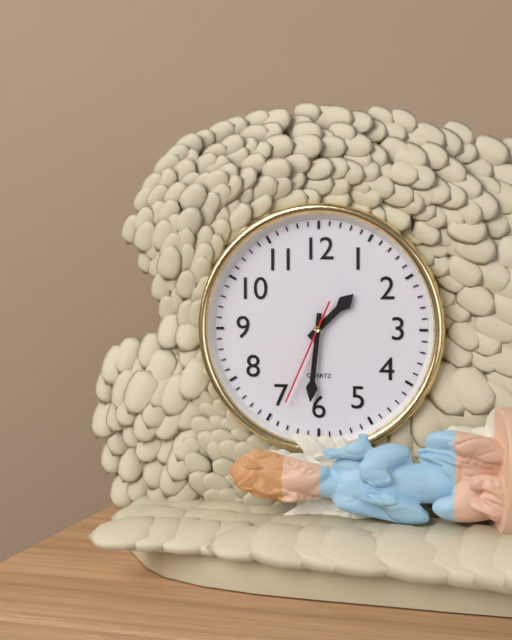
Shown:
1 h 31 min 34 s
